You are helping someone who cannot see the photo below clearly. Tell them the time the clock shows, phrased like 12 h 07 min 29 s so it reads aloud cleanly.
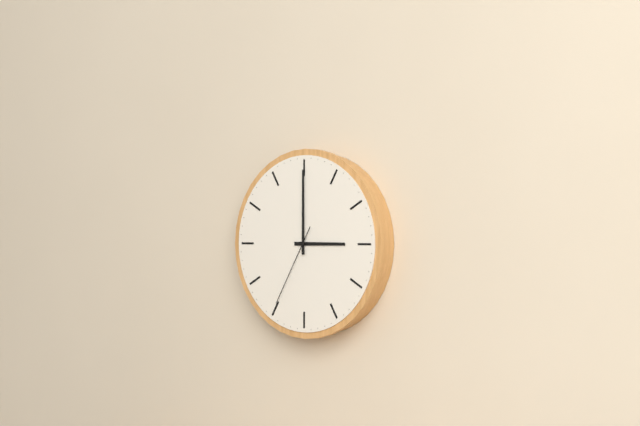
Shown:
3 h 00 min 35 s
